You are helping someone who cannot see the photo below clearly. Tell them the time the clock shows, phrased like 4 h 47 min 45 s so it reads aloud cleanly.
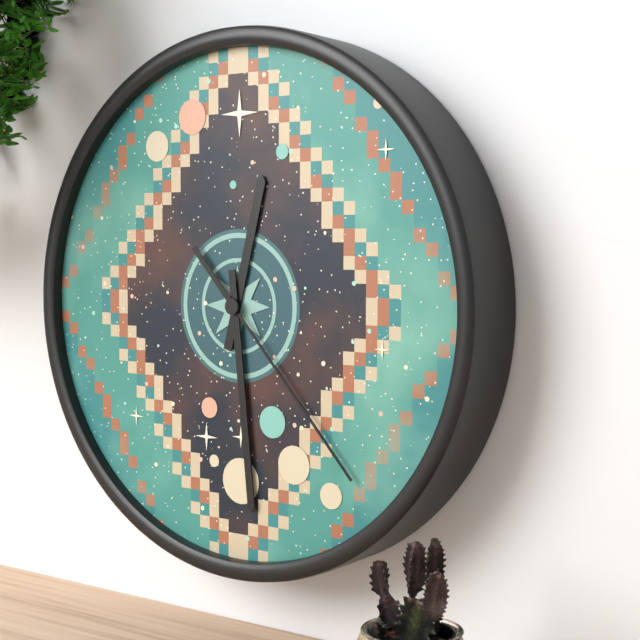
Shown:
12 h 29 min 23 s
